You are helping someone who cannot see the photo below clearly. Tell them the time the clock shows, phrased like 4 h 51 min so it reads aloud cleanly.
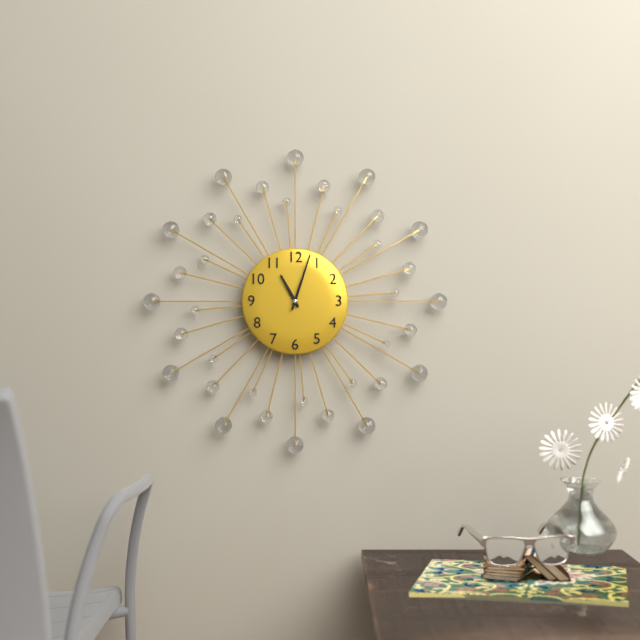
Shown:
11 h 03 min
